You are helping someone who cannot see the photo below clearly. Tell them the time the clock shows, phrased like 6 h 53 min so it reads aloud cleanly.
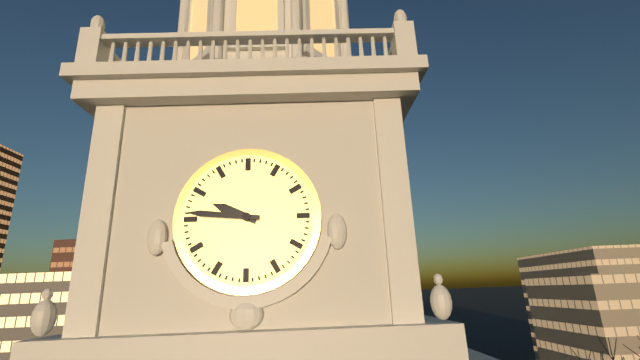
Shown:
9 h 46 min
